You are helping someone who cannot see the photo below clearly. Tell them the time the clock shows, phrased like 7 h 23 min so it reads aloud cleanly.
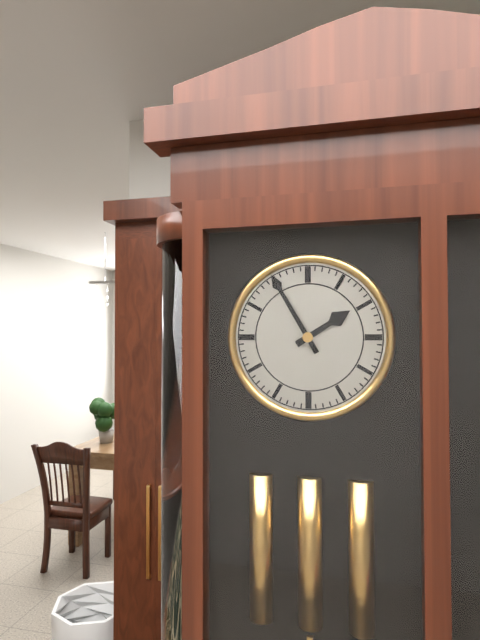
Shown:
1 h 55 min
